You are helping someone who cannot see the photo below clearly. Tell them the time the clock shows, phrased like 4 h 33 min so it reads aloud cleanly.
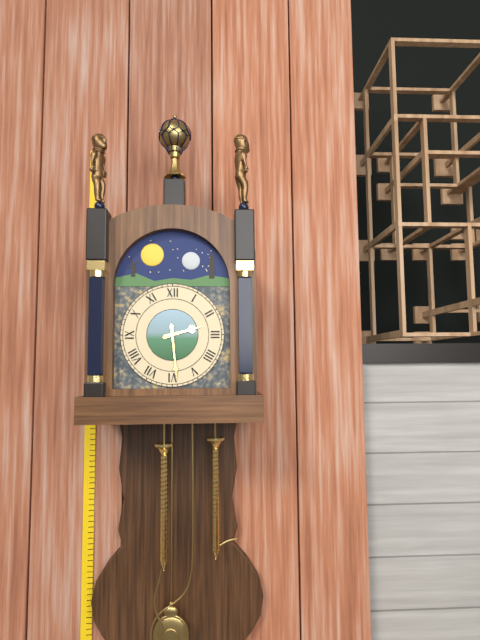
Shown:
2 h 29 min
